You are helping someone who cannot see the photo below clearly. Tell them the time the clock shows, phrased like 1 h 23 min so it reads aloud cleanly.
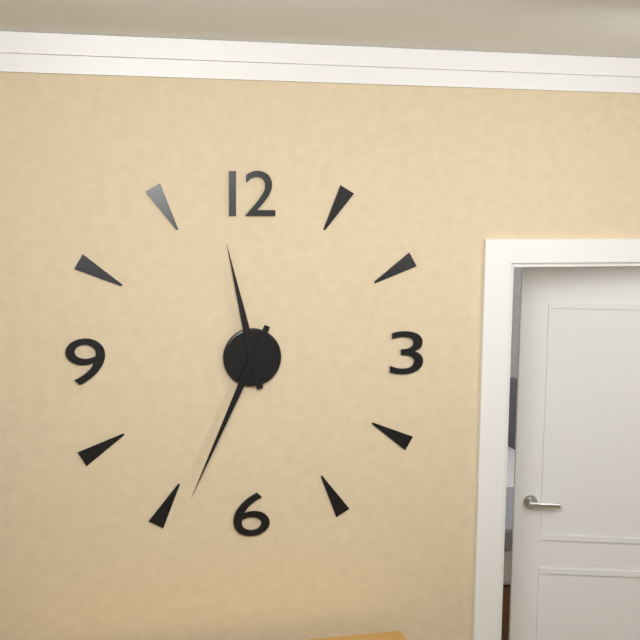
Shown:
11 h 34 min
